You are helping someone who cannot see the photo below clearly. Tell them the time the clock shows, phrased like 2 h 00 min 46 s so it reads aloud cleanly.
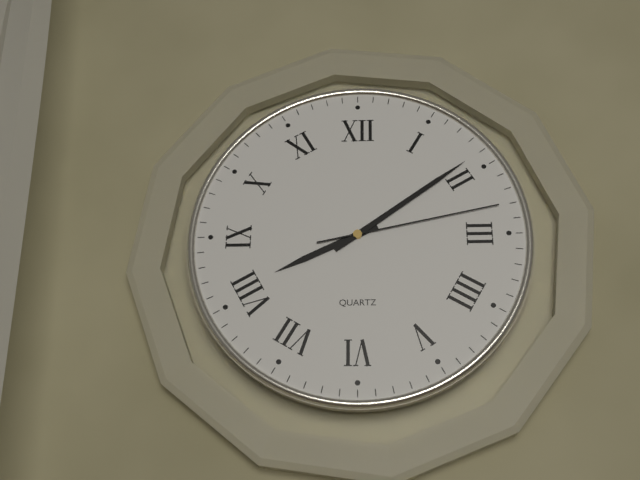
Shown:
8 h 09 min 13 s
